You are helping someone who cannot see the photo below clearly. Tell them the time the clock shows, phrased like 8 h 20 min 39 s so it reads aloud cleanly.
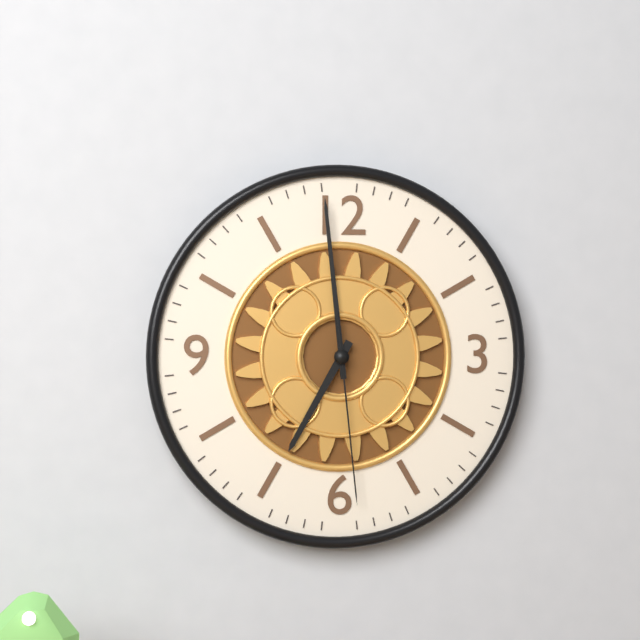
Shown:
6 h 59 min 29 s
